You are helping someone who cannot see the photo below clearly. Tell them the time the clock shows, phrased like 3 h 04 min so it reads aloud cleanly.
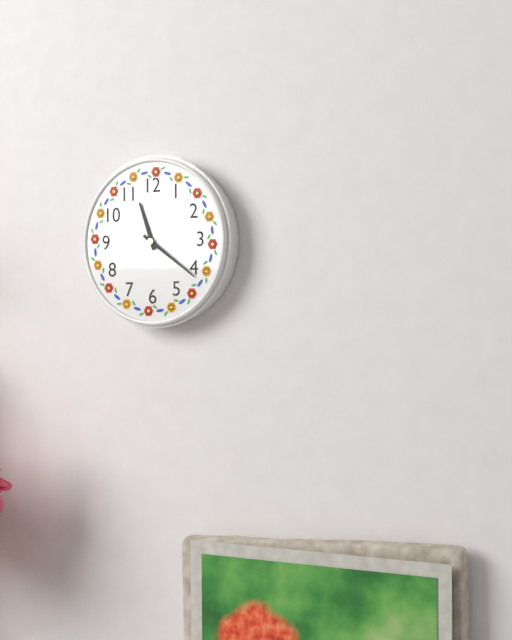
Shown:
11 h 21 min
